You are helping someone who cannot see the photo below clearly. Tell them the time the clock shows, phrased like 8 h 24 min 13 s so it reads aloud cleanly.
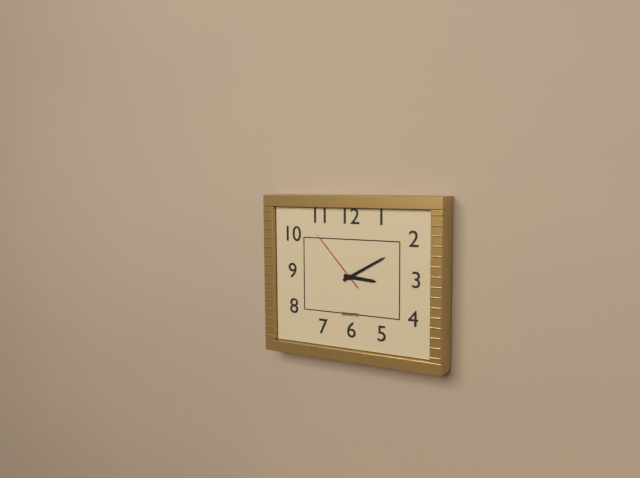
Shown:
3 h 10 min 53 s
